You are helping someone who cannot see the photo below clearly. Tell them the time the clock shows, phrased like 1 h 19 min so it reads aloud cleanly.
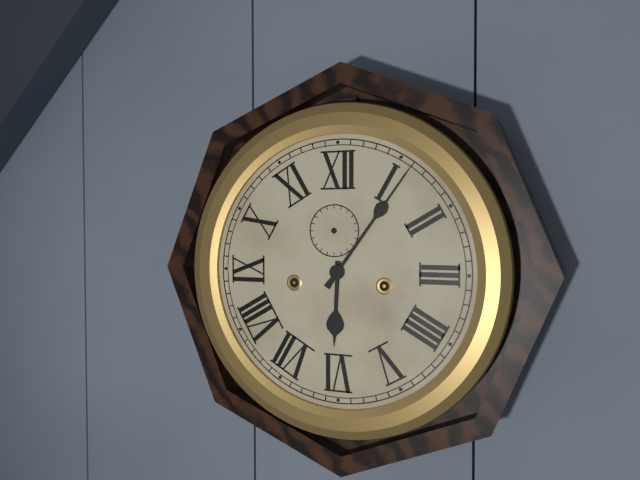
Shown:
6 h 06 min
